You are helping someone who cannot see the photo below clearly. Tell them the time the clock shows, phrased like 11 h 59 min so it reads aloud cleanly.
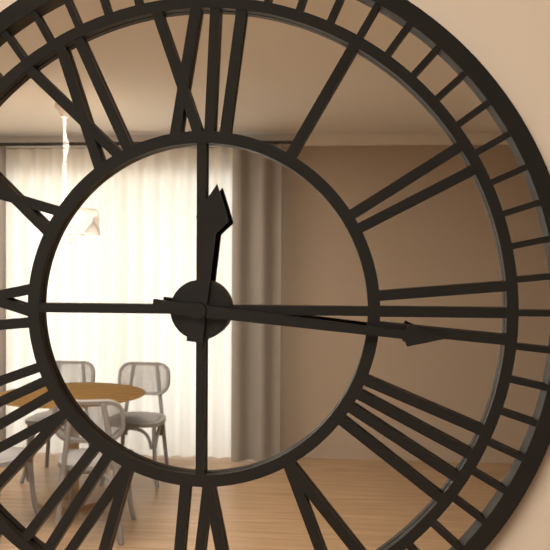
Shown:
12 h 16 min
